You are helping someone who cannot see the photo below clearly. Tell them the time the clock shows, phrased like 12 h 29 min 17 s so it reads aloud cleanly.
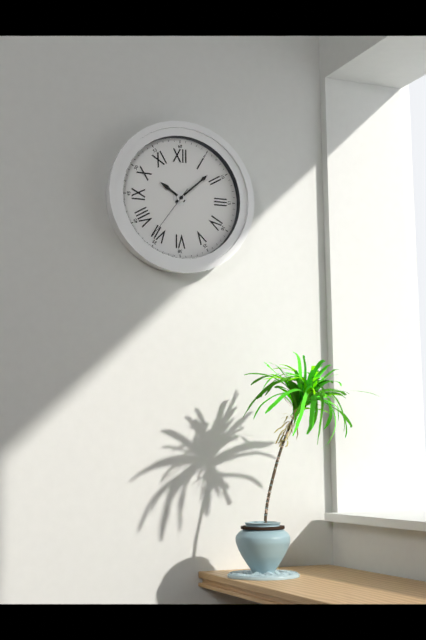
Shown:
10 h 08 min 36 s
